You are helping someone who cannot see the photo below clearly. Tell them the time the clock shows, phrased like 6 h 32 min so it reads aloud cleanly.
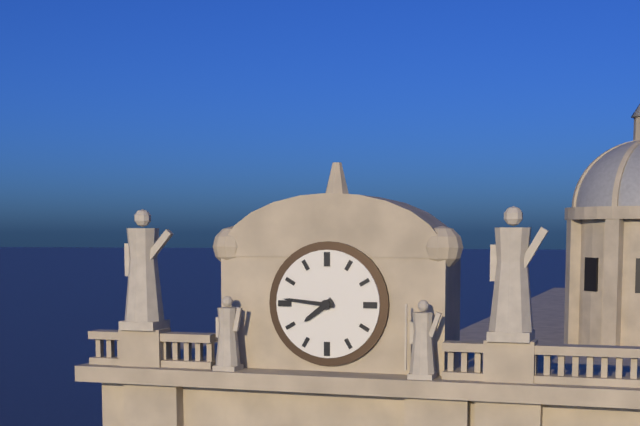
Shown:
7 h 46 min
